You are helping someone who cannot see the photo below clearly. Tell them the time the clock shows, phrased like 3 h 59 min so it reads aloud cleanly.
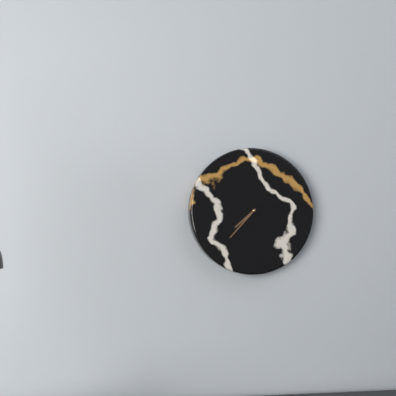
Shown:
7 h 37 min
